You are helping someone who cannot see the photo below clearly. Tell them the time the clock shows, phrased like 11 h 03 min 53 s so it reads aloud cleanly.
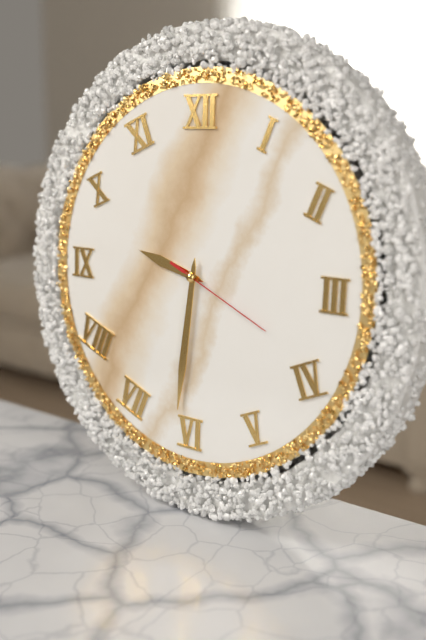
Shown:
9 h 31 min 19 s
